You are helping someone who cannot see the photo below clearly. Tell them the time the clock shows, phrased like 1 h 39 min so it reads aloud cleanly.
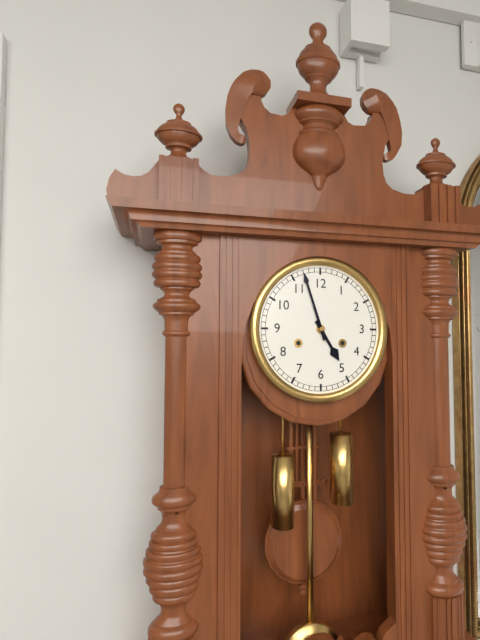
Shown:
4 h 57 min
